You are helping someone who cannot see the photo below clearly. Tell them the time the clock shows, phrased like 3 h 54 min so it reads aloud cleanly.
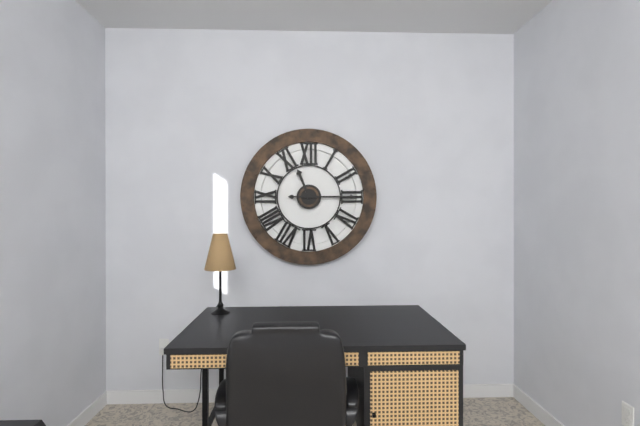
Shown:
11 h 15 min
